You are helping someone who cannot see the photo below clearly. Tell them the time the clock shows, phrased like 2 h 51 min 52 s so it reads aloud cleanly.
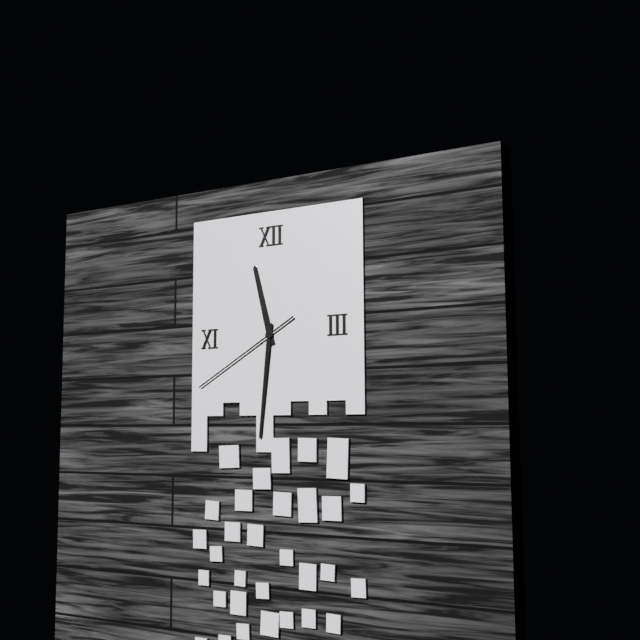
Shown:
11 h 31 min 40 s
